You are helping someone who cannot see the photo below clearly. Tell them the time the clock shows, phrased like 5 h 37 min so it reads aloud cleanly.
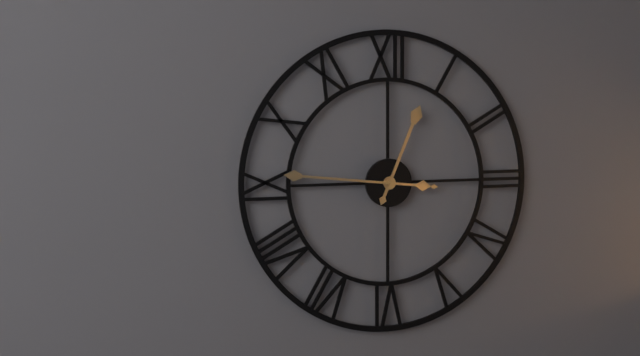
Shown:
12 h 46 min
